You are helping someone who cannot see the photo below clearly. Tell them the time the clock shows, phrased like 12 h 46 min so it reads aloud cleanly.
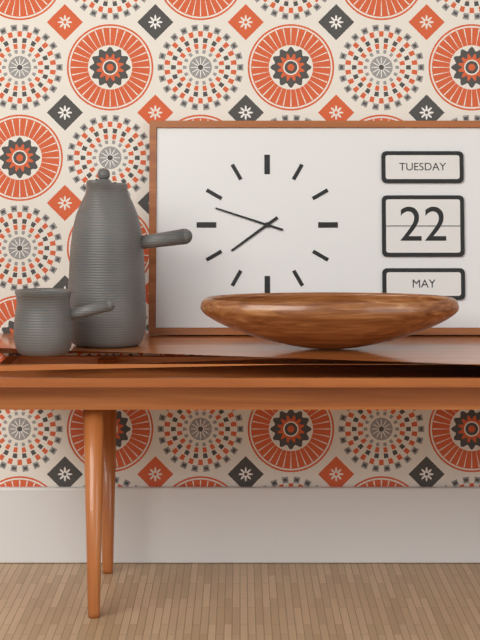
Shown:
7 h 48 min
